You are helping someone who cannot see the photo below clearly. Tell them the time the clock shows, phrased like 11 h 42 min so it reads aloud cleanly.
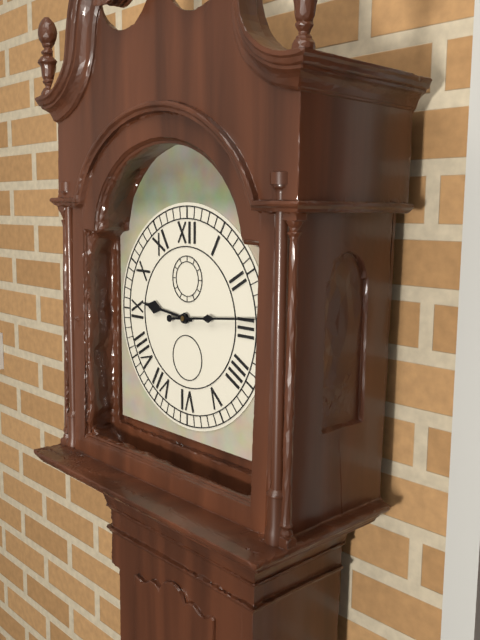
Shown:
9 h 14 min
